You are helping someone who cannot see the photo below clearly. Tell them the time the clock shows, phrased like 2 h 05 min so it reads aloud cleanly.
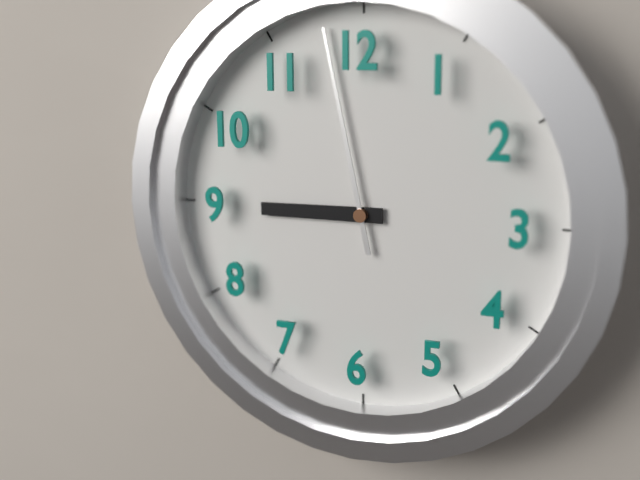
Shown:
8 h 58 min
